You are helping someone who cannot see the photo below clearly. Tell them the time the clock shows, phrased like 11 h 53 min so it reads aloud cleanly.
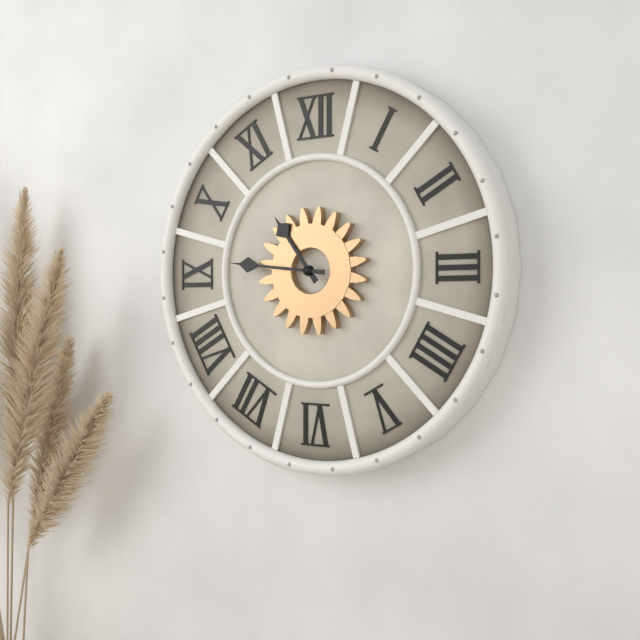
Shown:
10 h 46 min
